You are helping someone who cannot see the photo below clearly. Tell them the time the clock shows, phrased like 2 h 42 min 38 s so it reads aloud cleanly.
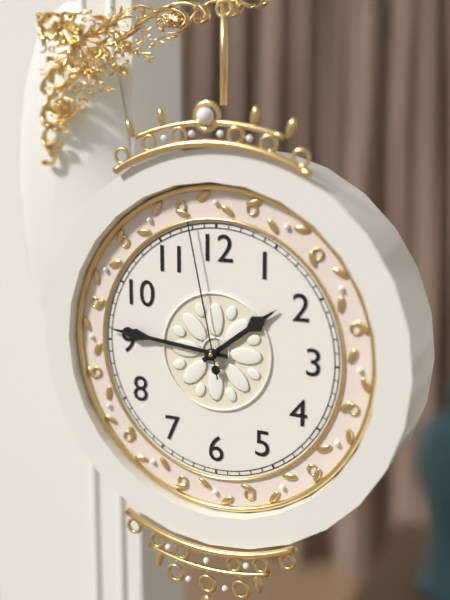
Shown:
1 h 46 min 58 s
